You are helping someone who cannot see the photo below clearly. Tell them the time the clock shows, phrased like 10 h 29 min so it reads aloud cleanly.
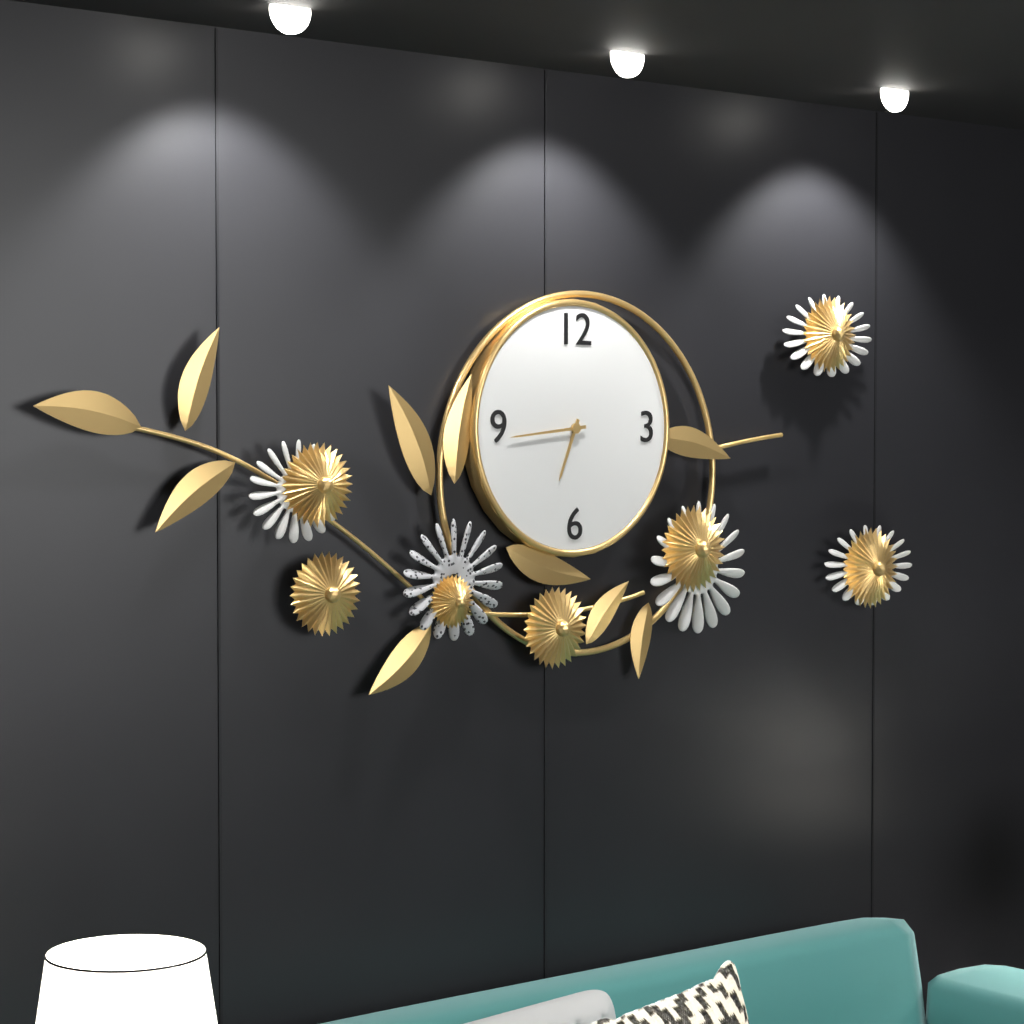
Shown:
6 h 44 min
